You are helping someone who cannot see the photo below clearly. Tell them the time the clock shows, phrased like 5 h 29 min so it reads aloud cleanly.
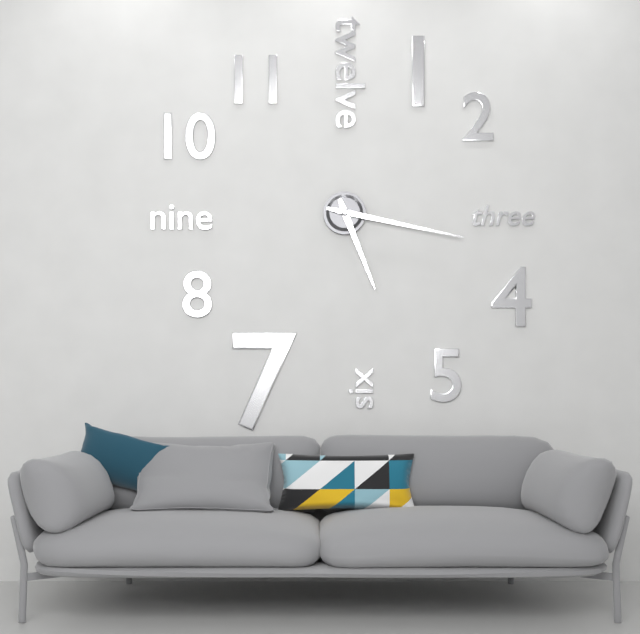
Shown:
5 h 17 min
